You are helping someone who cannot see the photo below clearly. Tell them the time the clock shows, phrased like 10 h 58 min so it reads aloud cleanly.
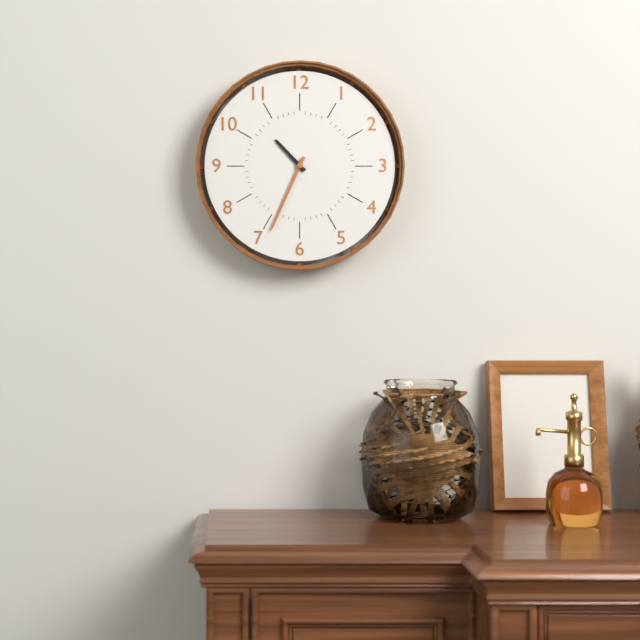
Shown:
10 h 34 min
